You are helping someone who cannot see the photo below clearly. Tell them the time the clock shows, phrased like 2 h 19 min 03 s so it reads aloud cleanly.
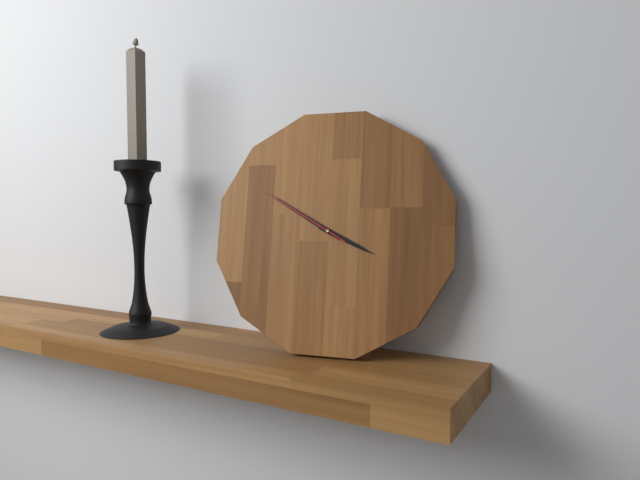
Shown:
3 h 50 min 50 s
